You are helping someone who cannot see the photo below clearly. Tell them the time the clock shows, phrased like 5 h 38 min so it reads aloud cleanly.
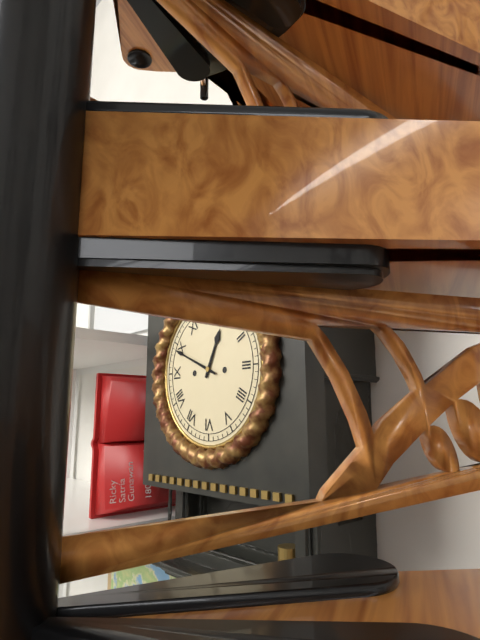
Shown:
12 h 49 min
